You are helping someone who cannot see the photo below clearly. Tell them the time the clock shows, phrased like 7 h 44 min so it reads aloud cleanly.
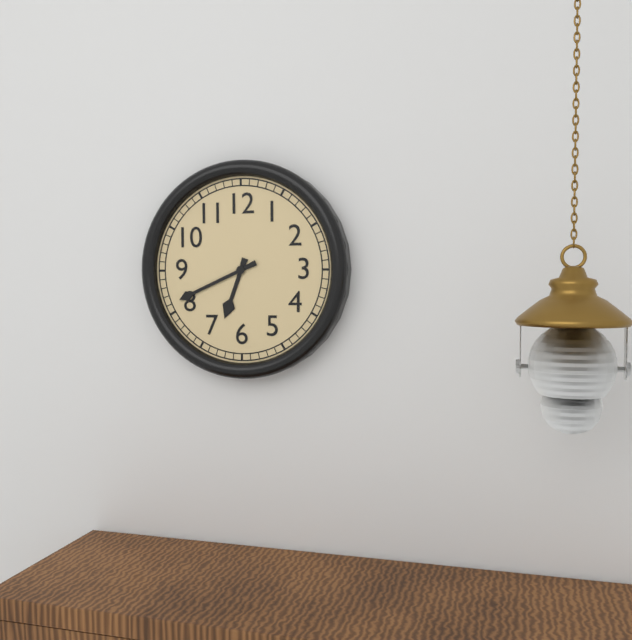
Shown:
6 h 41 min
